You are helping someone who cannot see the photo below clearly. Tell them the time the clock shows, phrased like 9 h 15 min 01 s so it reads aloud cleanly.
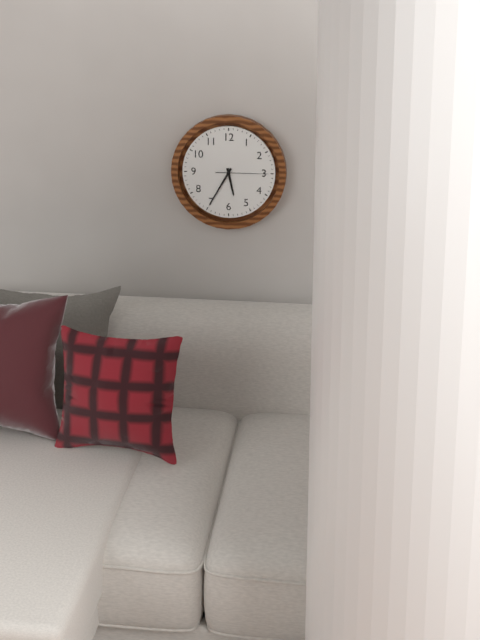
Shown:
5 h 35 min 15 s
